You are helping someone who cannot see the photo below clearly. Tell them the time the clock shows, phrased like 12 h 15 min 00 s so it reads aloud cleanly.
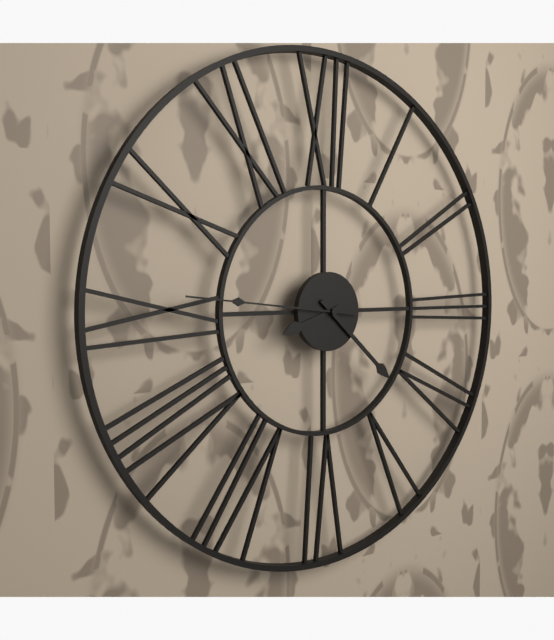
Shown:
8 h 22 min 46 s
